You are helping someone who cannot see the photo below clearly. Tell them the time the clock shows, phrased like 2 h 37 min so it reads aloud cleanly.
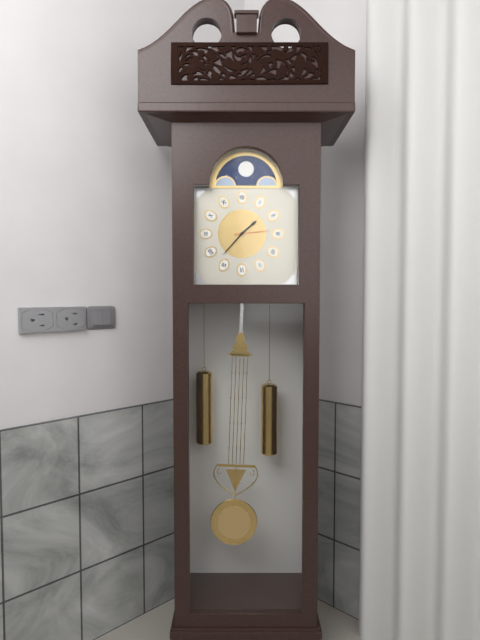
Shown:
1 h 37 min
